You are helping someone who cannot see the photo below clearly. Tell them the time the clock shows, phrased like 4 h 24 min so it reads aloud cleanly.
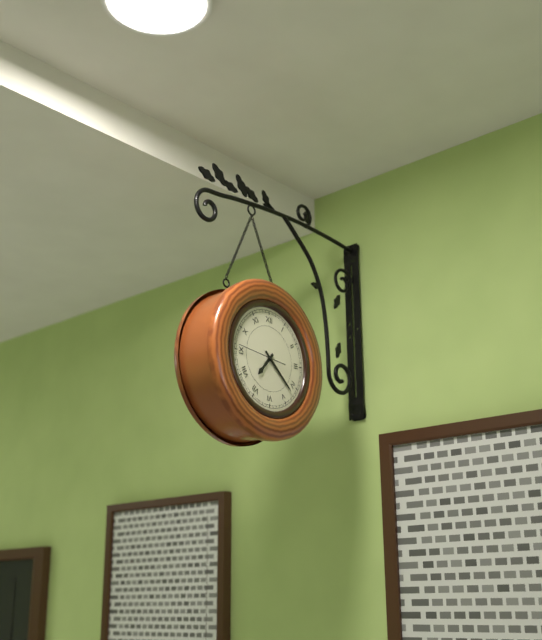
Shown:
7 h 22 min
